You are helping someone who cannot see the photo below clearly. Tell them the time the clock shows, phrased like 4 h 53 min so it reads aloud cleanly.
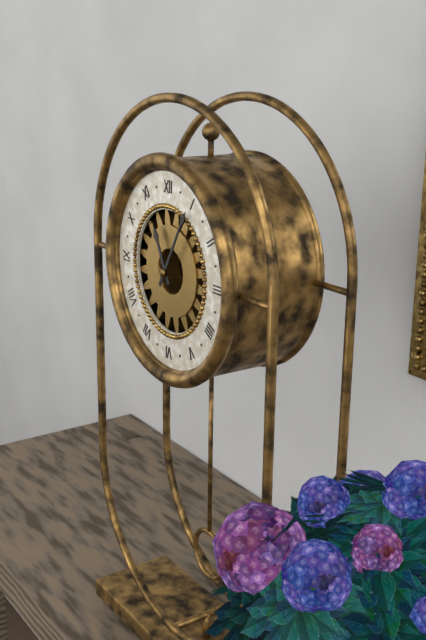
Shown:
11 h 05 min
